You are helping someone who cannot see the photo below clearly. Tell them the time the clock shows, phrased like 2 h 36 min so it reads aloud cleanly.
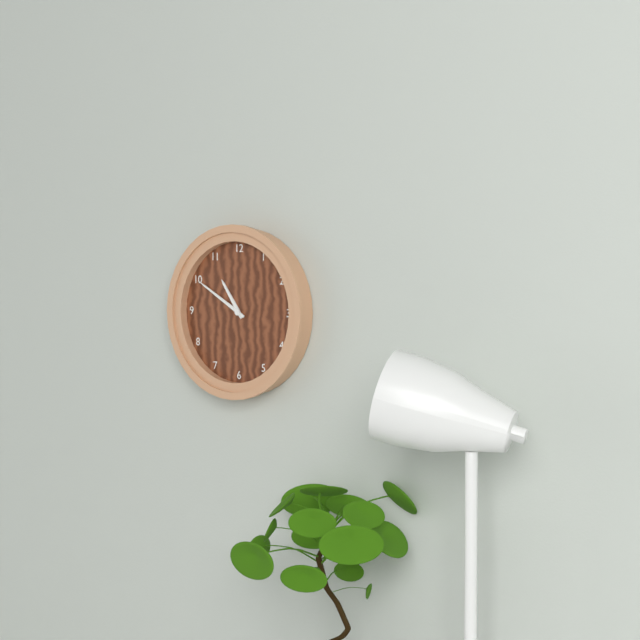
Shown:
10 h 50 min
